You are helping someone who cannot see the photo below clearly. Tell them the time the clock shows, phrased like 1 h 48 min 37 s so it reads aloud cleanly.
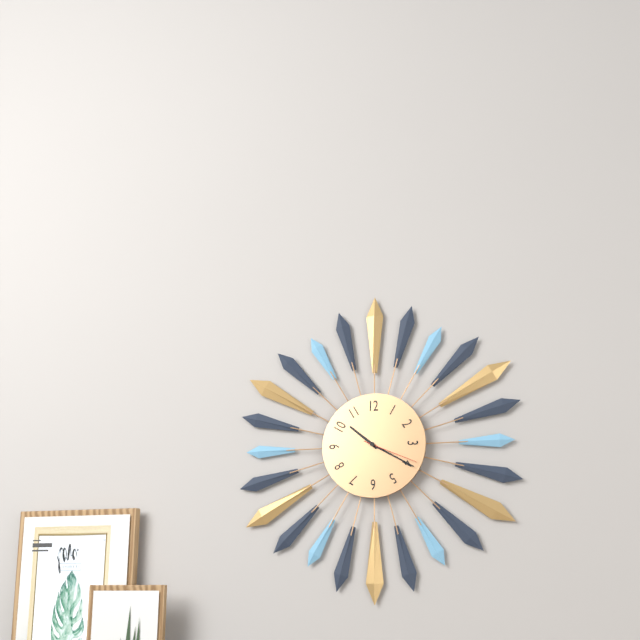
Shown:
10 h 20 min 19 s
